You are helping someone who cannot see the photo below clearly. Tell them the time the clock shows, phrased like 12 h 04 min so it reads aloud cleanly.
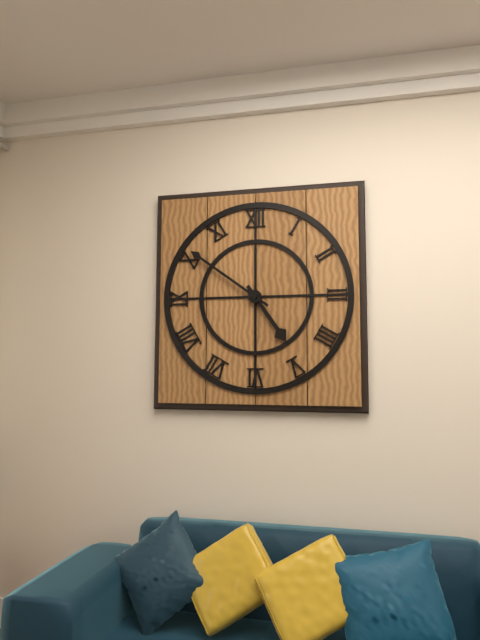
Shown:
4 h 51 min
